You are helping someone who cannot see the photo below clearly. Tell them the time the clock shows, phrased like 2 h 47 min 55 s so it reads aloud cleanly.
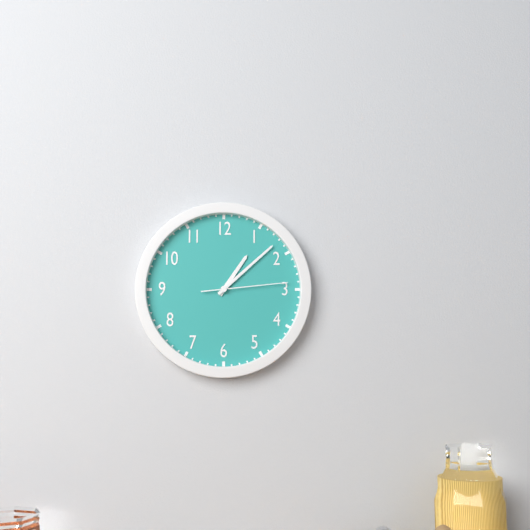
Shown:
1 h 08 min 14 s
